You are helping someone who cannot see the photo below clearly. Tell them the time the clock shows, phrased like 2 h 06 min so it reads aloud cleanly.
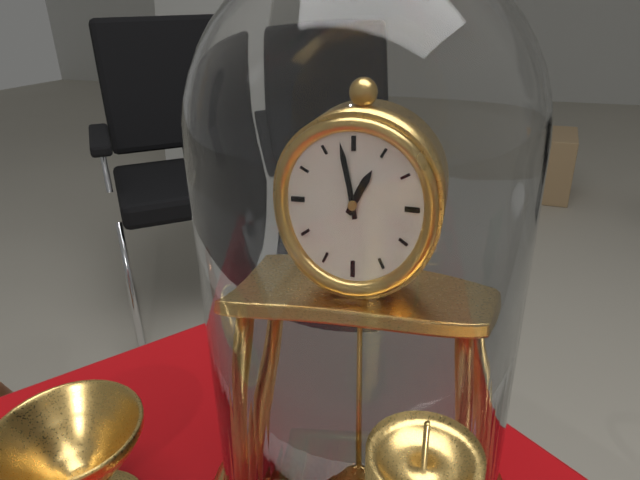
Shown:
12 h 58 min
